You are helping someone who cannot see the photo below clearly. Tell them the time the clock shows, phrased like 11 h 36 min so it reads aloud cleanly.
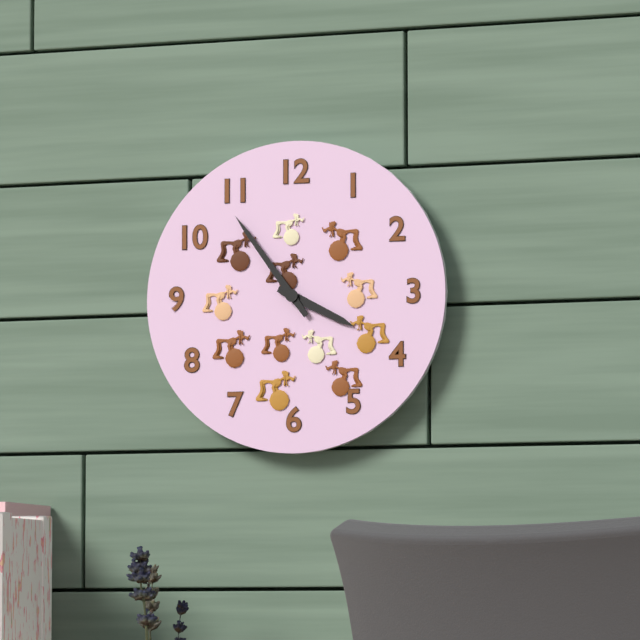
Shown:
3 h 54 min
